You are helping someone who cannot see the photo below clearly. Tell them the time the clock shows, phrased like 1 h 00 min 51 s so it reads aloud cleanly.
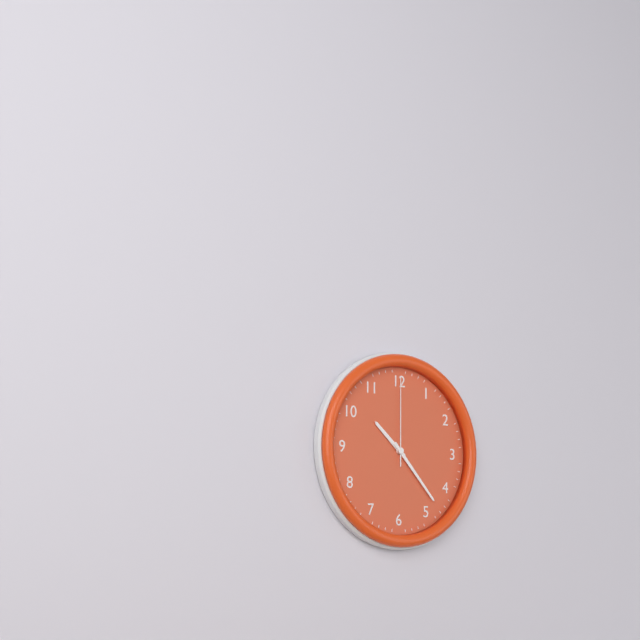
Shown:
10 h 23 min 00 s
